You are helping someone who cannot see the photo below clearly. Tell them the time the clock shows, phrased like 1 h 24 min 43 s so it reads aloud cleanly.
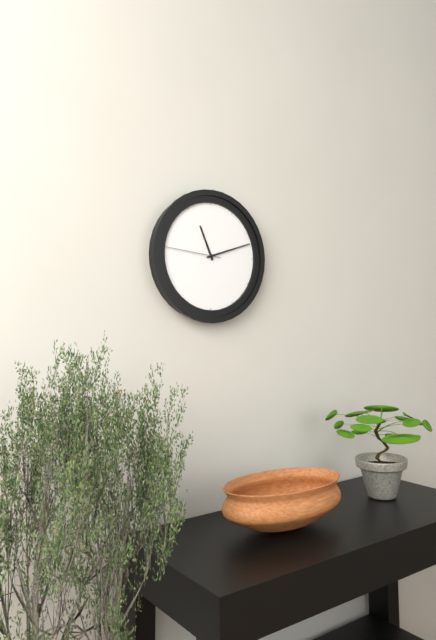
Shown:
11 h 12 min 46 s
